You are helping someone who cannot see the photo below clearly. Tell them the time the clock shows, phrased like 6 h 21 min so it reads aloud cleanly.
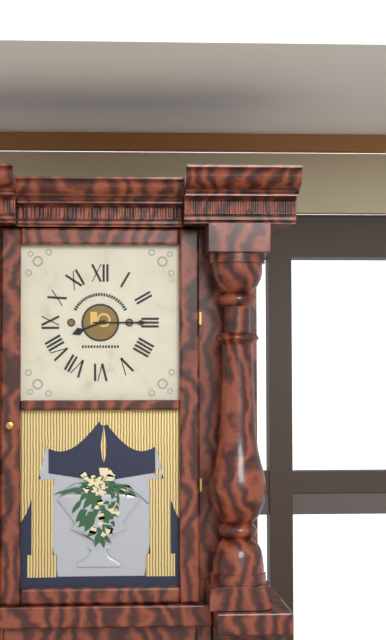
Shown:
8 h 15 min
